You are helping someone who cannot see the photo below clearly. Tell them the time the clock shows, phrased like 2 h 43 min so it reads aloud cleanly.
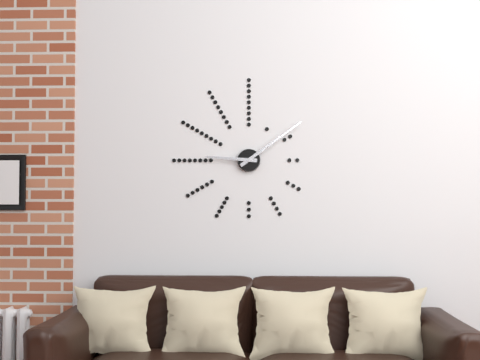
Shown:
9 h 09 min
